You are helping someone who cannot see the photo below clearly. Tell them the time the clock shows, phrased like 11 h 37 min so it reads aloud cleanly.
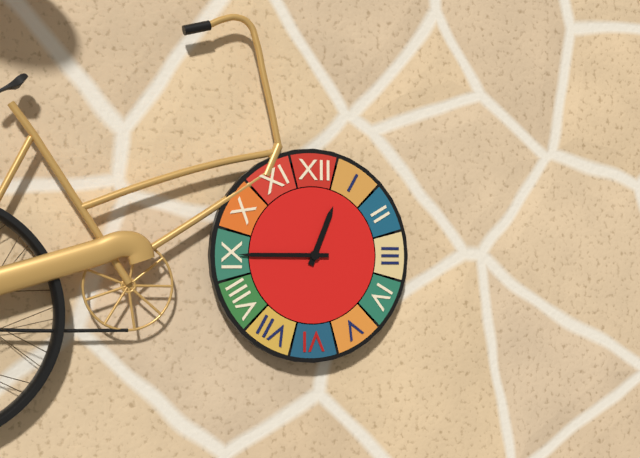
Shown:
12 h 45 min
